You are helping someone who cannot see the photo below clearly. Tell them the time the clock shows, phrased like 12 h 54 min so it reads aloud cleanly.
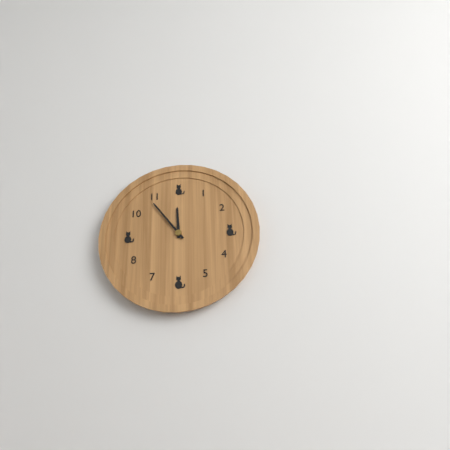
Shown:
11 h 54 min
